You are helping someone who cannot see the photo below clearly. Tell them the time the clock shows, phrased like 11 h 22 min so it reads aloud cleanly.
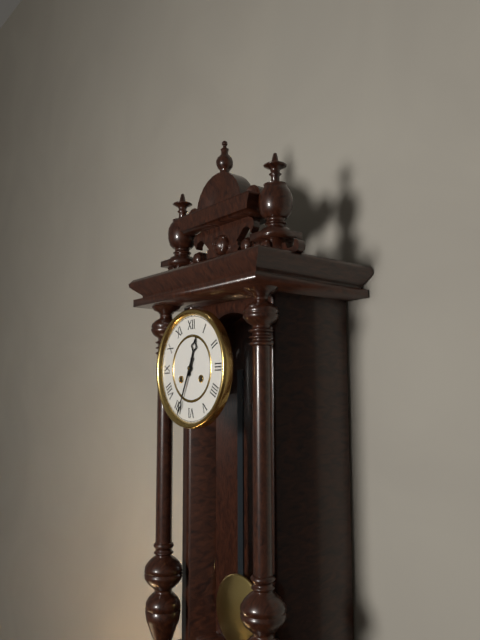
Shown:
12 h 34 min
